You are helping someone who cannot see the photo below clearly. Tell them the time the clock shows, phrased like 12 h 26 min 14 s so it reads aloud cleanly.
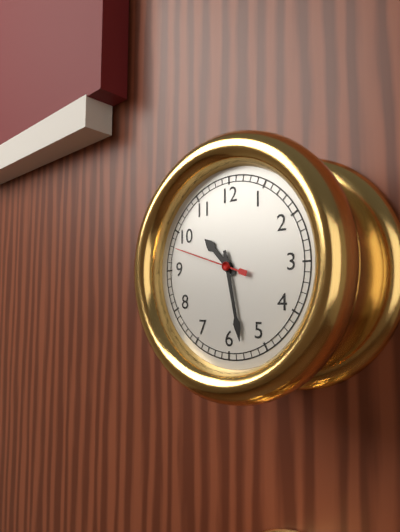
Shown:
10 h 28 min 48 s
